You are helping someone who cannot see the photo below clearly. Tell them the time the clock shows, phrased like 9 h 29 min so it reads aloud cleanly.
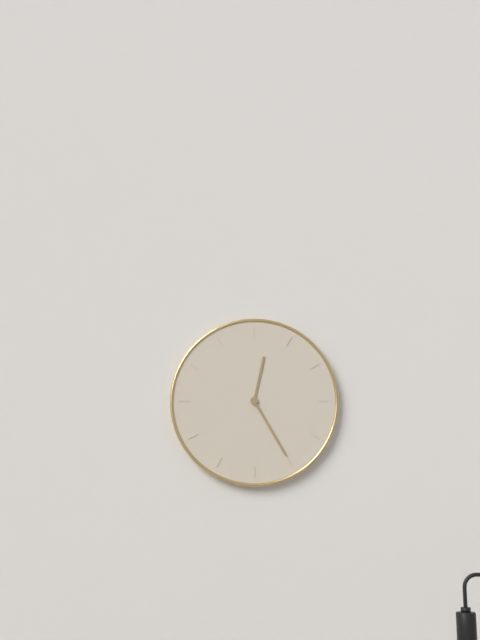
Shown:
12 h 25 min
